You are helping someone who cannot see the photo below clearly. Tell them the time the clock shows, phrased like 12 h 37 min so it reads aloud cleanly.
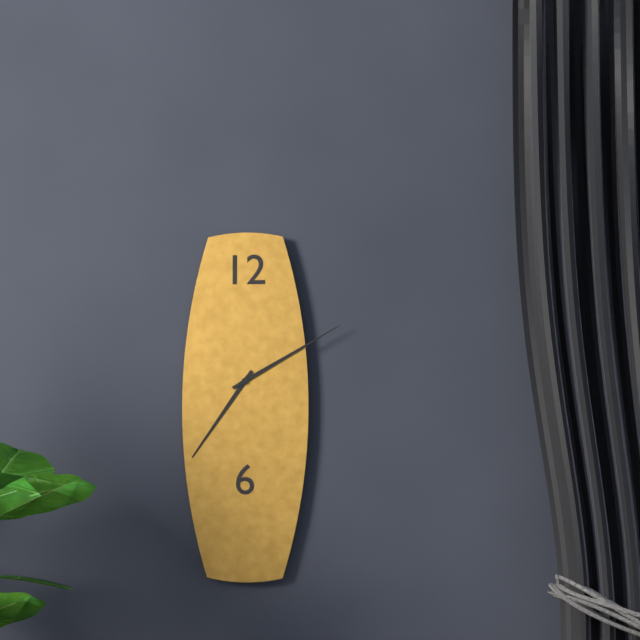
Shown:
7 h 10 min
